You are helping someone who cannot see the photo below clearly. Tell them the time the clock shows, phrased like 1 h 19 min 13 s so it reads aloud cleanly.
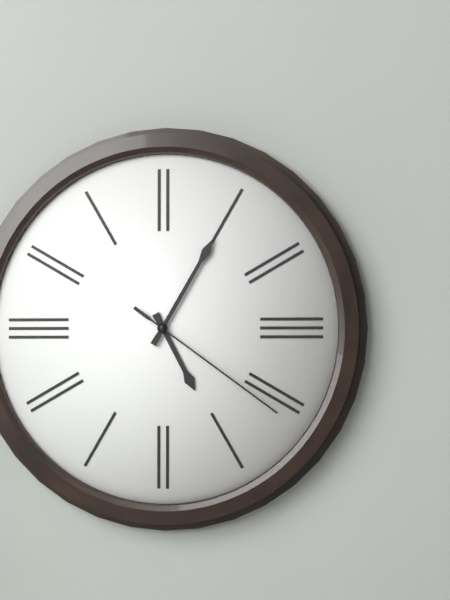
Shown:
5 h 05 min 21 s
